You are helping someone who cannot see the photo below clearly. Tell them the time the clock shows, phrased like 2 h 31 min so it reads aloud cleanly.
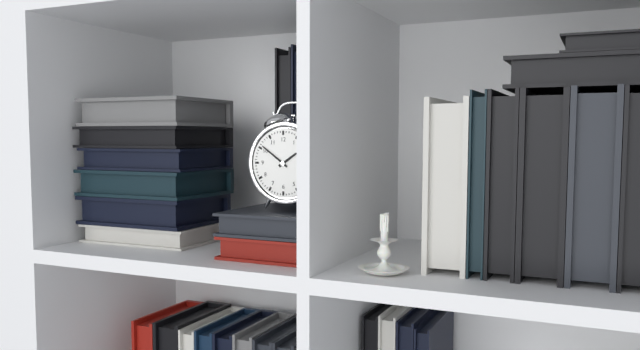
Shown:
1 h 51 min
